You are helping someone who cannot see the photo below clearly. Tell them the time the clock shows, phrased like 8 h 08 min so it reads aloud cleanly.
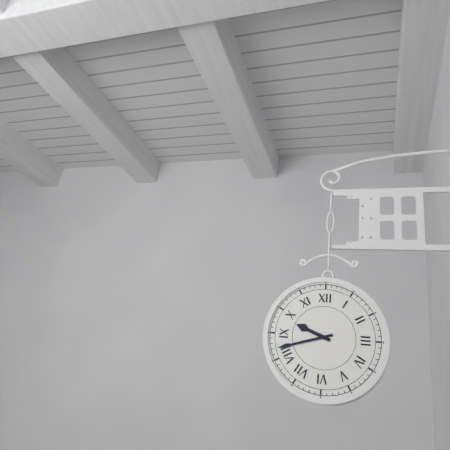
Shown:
9 h 42 min
